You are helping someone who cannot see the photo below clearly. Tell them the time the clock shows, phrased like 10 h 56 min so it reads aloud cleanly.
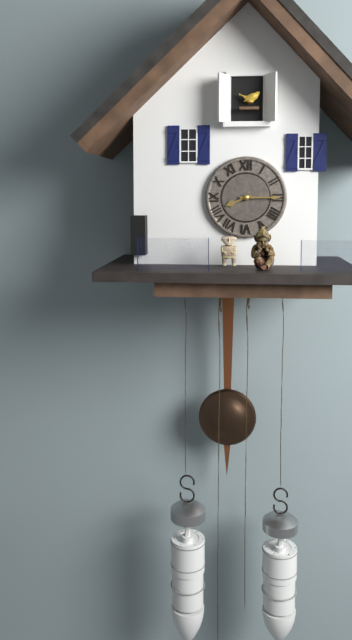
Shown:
8 h 15 min
